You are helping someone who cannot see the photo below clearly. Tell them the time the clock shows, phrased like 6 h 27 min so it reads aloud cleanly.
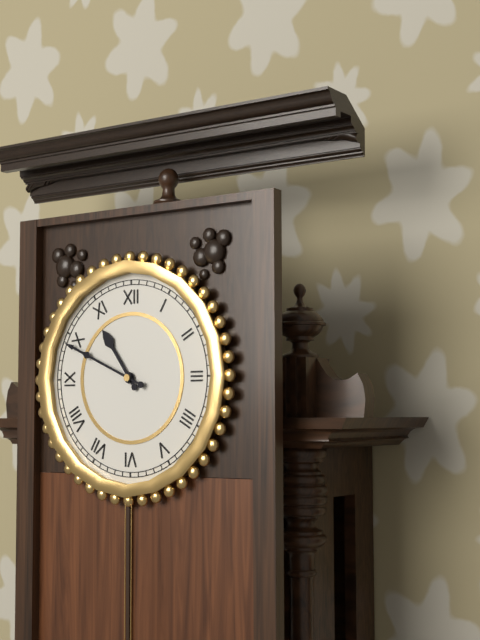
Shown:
10 h 49 min
